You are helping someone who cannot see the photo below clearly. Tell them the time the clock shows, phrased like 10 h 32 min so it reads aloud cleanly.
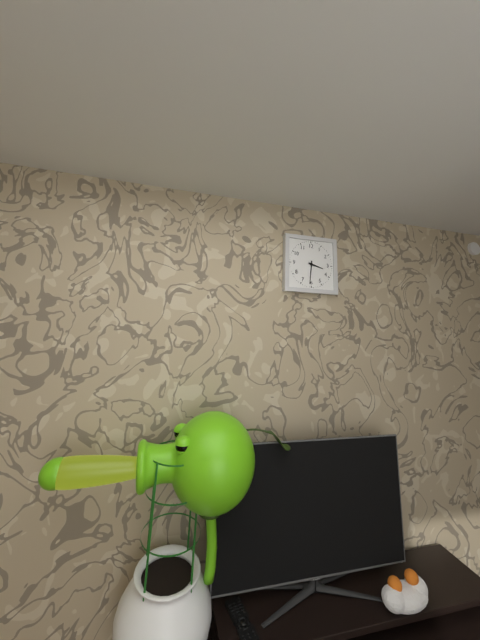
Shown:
3 h 31 min
